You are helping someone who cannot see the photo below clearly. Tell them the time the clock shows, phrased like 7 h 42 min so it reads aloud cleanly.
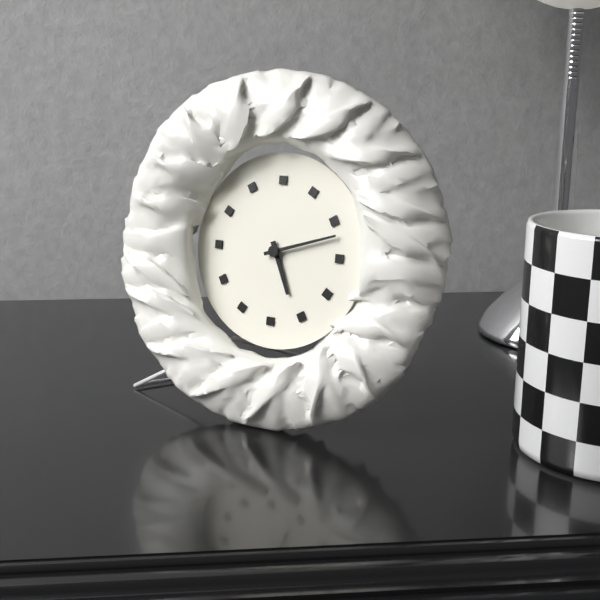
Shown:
5 h 12 min
